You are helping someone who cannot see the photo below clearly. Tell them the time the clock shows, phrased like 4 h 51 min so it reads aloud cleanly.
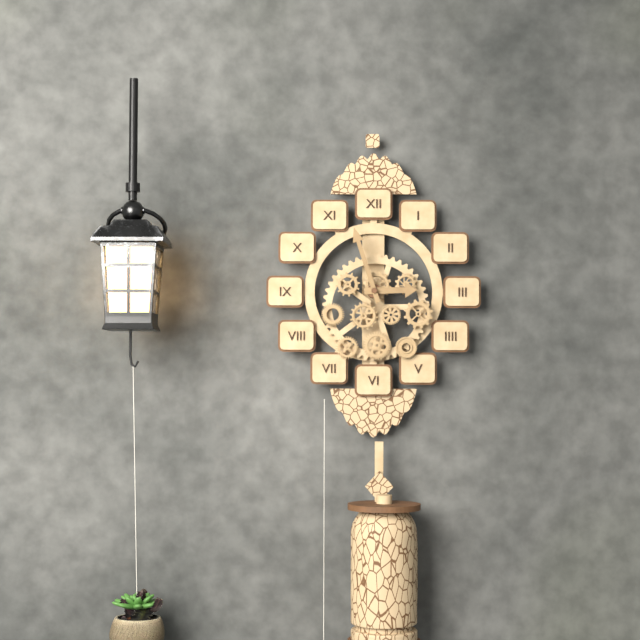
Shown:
2 h 57 min
